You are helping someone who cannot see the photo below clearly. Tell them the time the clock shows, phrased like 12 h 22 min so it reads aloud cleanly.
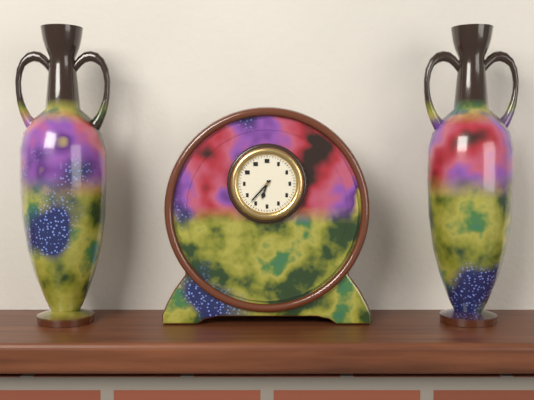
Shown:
6 h 37 min
